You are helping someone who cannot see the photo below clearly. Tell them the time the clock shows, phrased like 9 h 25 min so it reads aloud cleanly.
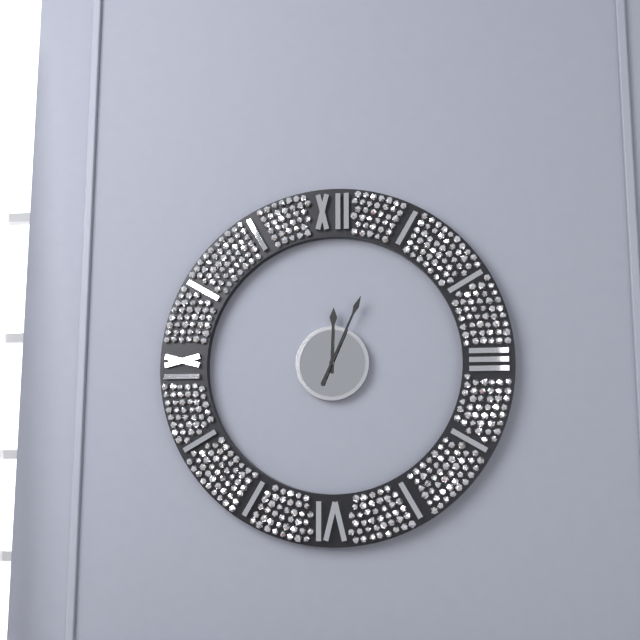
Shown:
12 h 04 min
